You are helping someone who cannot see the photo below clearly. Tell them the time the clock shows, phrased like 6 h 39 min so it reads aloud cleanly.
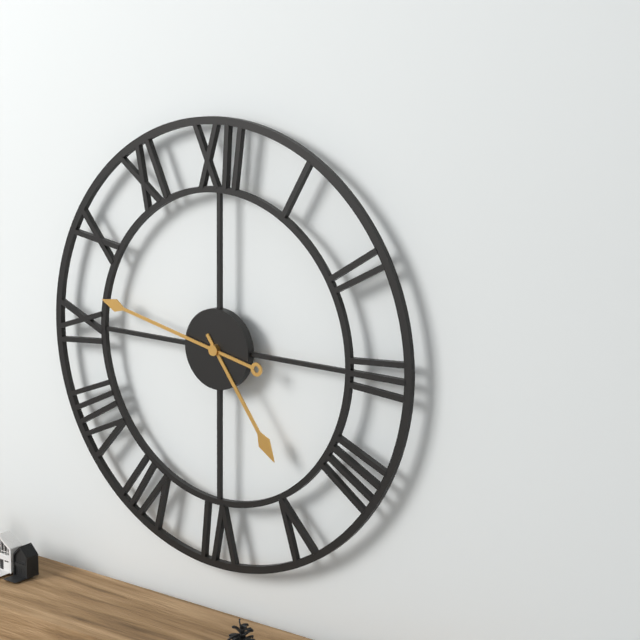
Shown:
4 h 47 min
